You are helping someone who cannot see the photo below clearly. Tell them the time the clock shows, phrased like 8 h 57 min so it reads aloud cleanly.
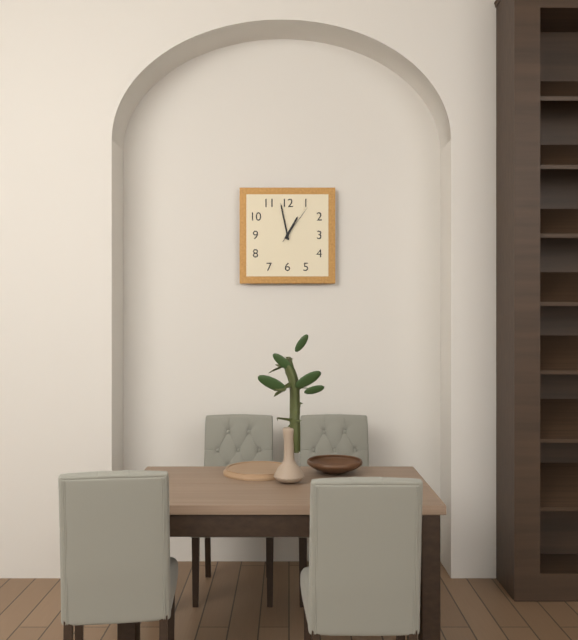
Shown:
12 h 58 min
